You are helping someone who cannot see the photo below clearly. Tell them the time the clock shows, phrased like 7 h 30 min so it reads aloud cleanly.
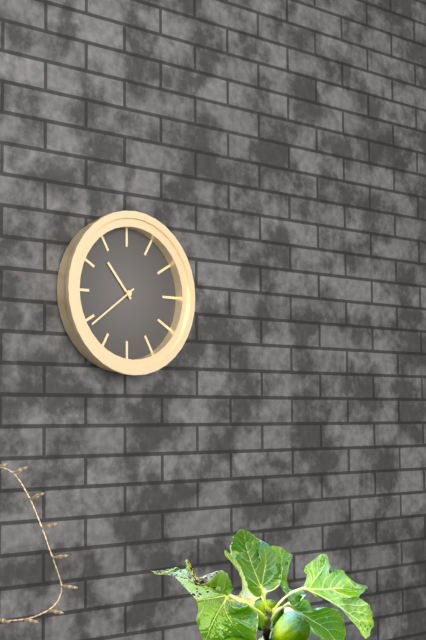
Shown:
10 h 39 min
